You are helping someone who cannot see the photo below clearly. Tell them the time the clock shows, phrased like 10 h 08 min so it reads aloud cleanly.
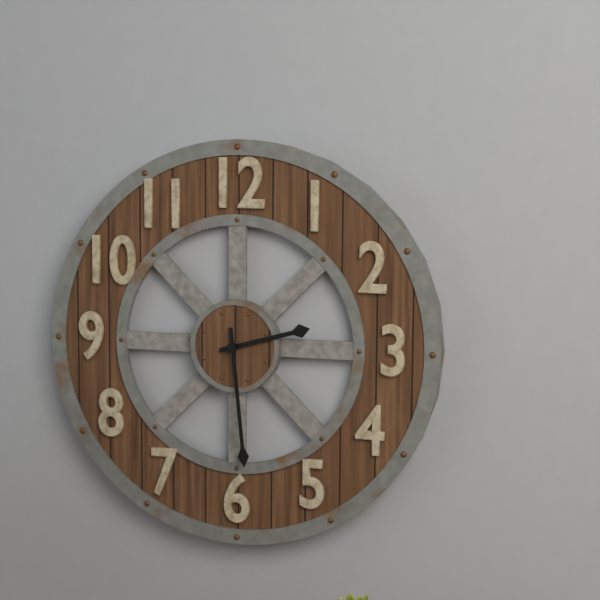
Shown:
2 h 29 min
